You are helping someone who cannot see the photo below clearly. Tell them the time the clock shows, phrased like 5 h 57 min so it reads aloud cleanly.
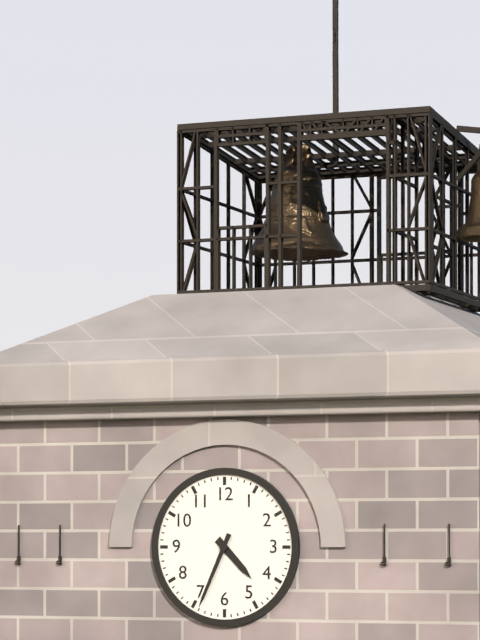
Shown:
4 h 34 min
